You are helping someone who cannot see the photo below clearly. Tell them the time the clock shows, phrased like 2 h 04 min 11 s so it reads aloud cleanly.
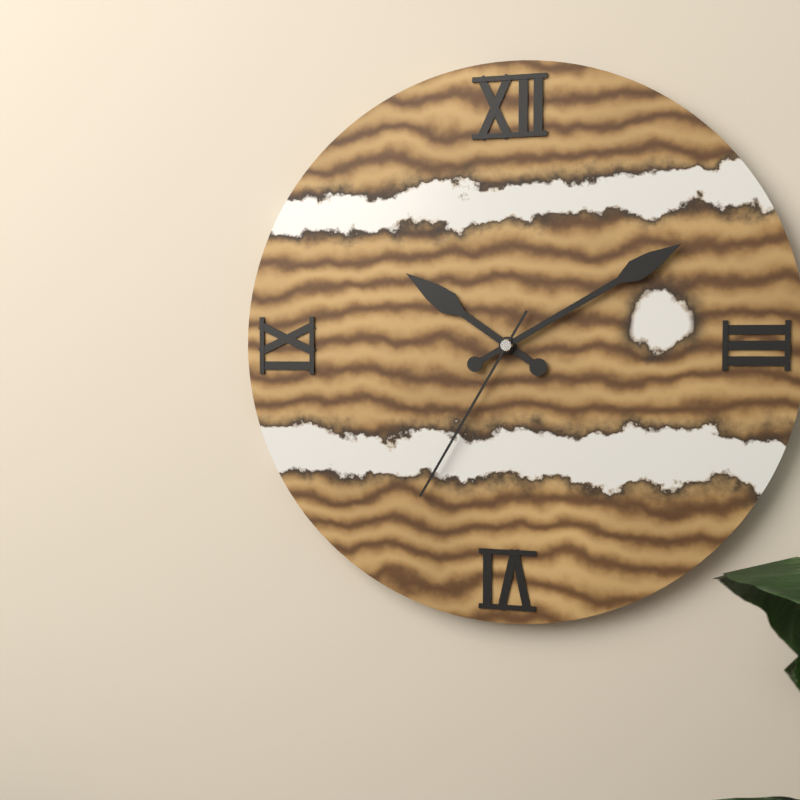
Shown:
10 h 10 min 35 s
